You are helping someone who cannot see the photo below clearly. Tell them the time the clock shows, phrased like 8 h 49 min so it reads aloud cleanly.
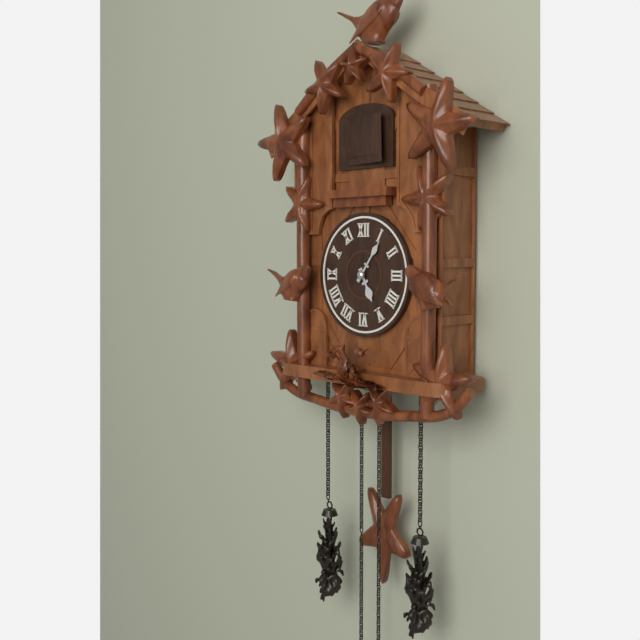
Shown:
5 h 06 min
